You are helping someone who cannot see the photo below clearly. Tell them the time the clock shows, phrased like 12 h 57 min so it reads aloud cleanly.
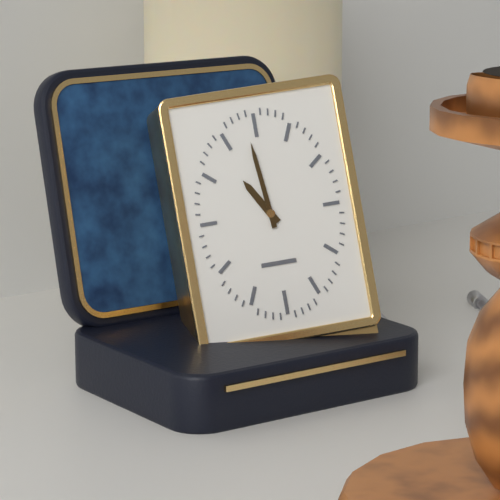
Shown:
10 h 59 min
